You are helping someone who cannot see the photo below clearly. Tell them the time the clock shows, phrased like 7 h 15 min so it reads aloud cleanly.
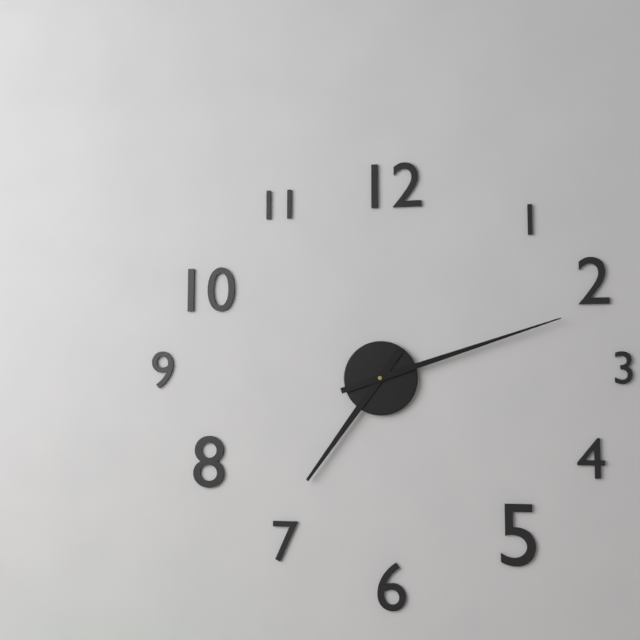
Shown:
7 h 12 min
